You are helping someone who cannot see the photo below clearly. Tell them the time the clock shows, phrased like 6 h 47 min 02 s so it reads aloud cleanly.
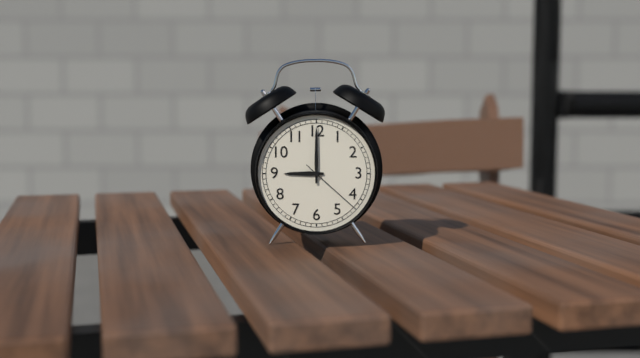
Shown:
9 h 00 min 22 s
